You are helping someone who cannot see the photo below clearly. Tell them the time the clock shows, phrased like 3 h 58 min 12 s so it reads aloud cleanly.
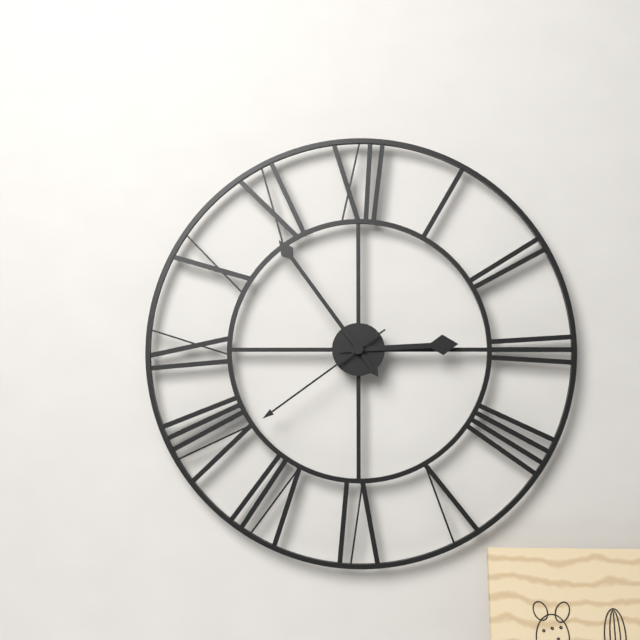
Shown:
2 h 54 min 39 s
